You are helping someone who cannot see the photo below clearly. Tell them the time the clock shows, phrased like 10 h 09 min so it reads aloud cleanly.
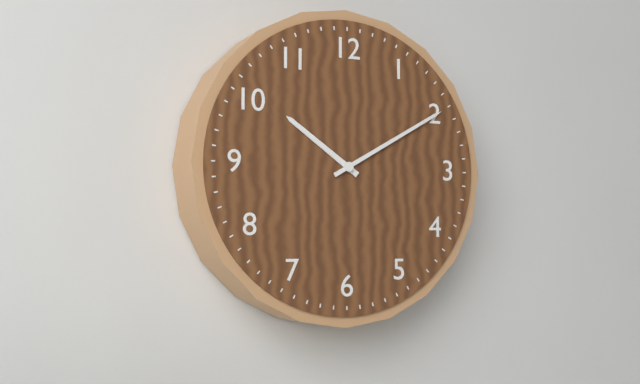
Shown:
10 h 10 min
